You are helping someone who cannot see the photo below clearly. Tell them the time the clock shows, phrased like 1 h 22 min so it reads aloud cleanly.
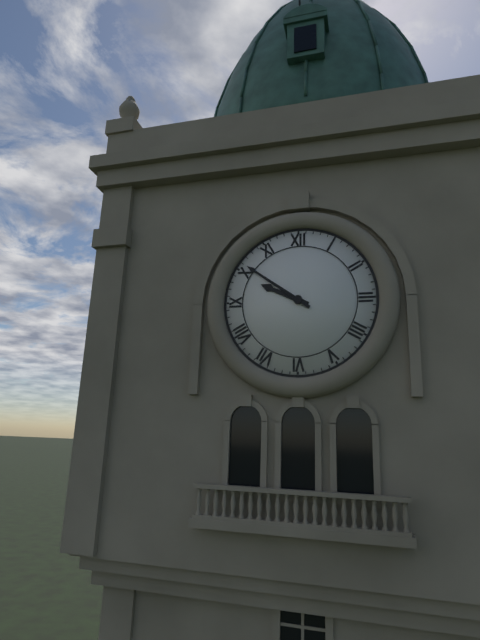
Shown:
9 h 51 min
